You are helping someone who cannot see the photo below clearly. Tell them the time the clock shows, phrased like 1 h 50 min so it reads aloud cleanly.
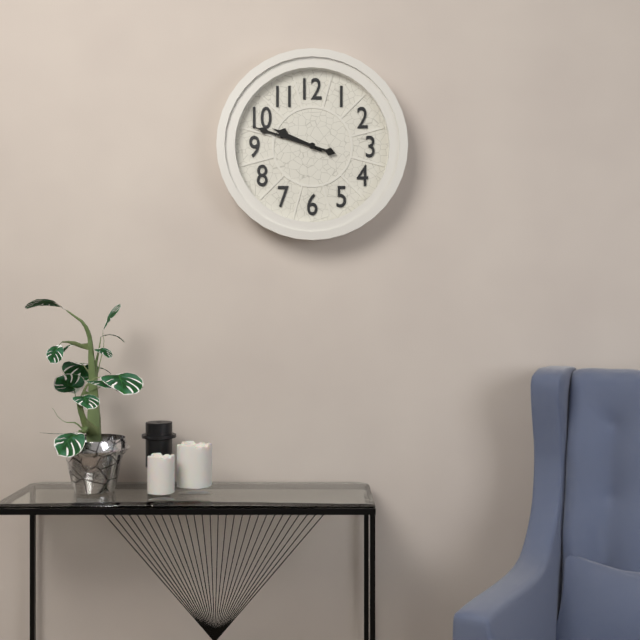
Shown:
9 h 48 min
